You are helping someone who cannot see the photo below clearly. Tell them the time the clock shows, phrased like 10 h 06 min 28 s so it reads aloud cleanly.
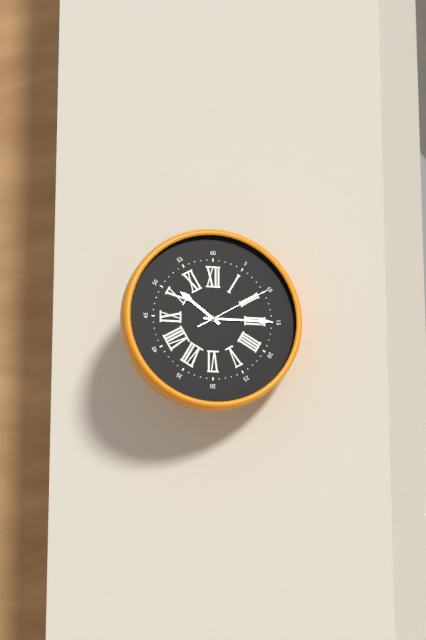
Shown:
10 h 15 min 10 s
